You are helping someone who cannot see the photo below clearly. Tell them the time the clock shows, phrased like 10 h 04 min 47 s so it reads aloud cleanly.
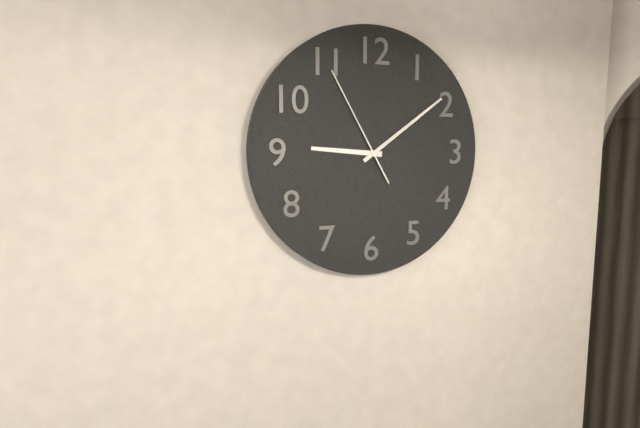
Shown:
9 h 09 min 55 s
